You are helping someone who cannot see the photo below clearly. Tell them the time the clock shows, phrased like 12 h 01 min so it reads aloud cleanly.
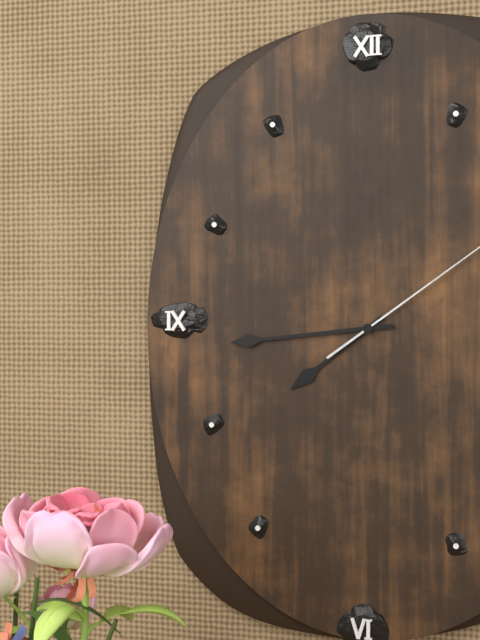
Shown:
7 h 44 min
